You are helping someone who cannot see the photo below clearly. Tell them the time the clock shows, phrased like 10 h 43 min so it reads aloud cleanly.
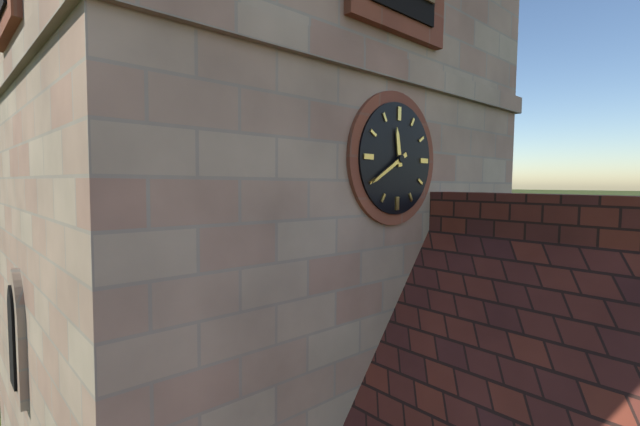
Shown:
11 h 40 min
